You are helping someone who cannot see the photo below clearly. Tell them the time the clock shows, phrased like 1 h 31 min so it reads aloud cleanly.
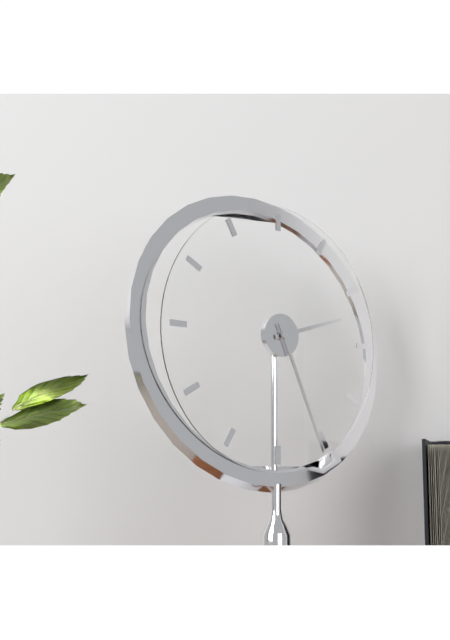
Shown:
2 h 26 min
